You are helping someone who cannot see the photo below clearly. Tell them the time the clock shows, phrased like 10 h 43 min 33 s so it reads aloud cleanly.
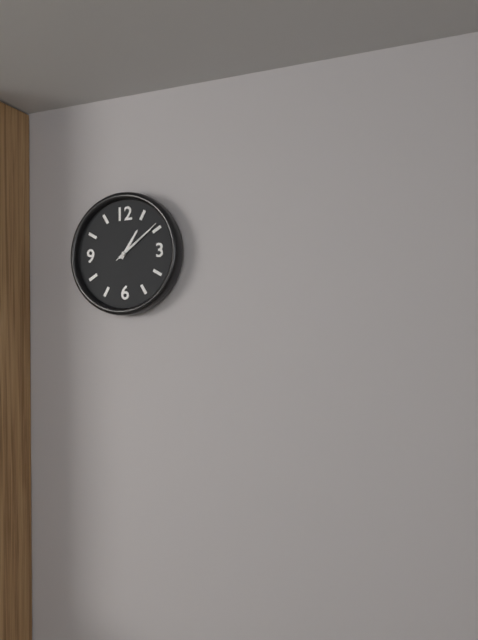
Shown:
1 h 09 min 09 s
